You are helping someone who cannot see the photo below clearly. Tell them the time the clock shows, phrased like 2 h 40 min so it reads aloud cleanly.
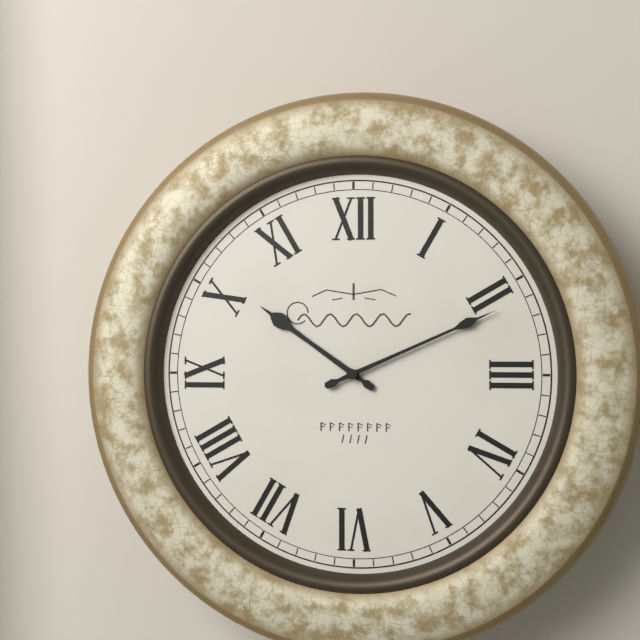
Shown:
10 h 11 min
